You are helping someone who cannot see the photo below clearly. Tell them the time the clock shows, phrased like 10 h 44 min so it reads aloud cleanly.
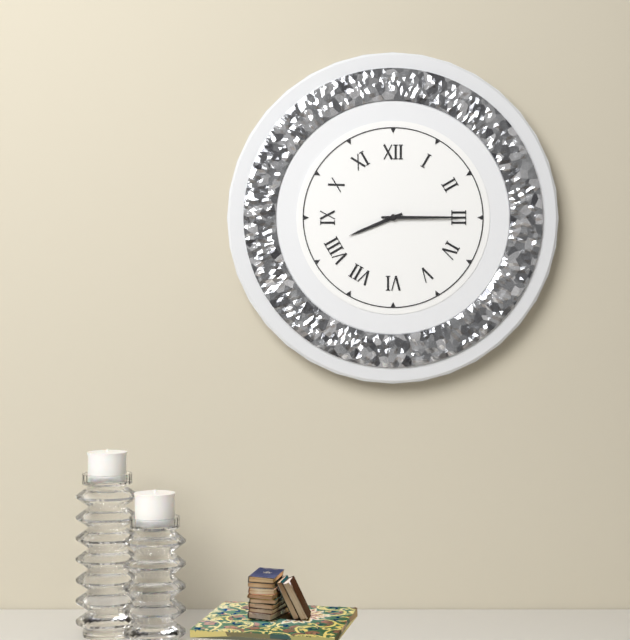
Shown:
8 h 15 min
